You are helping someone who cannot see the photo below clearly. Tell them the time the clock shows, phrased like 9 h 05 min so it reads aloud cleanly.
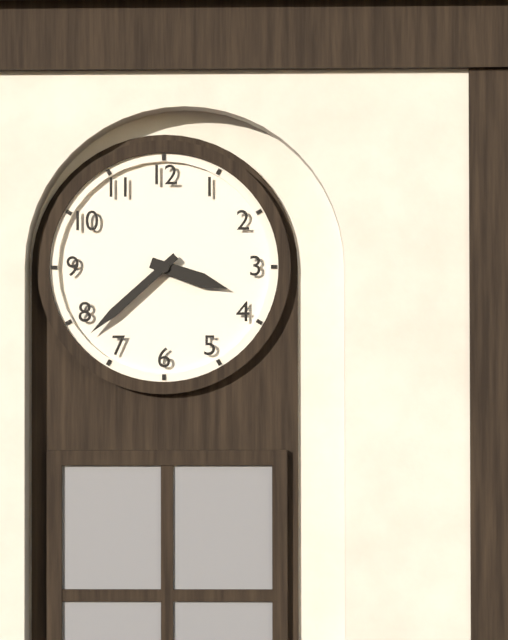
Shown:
3 h 38 min
